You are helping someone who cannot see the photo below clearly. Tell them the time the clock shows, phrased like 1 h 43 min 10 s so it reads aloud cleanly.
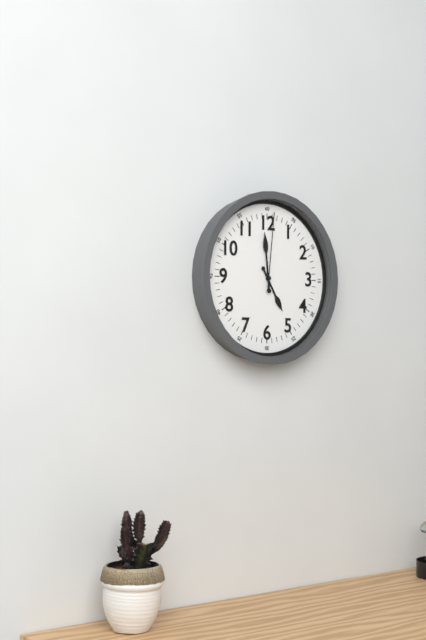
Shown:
4 h 59 min 01 s
